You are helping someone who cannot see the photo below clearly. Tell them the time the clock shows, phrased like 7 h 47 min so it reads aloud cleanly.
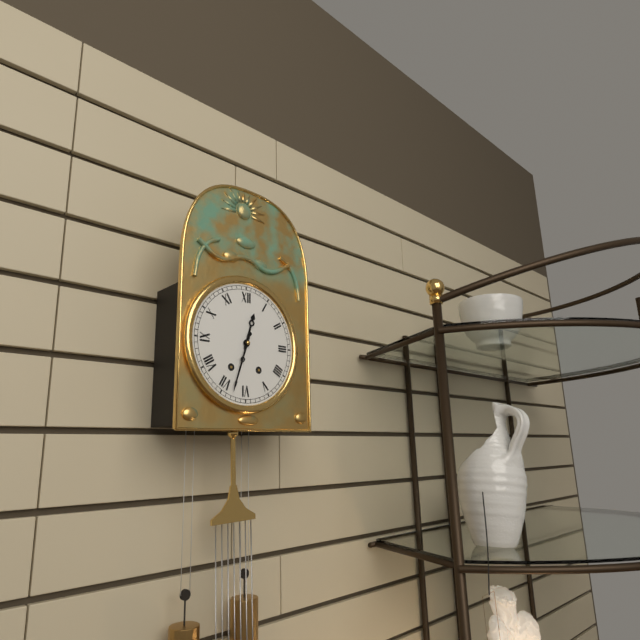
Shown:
12 h 33 min
